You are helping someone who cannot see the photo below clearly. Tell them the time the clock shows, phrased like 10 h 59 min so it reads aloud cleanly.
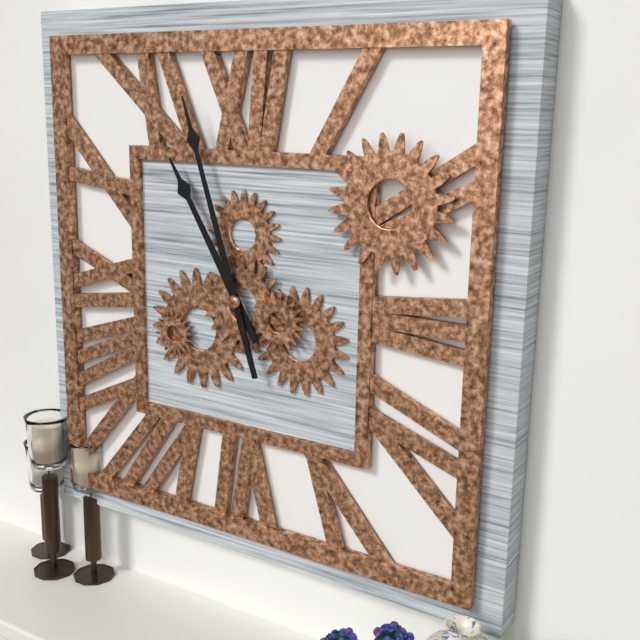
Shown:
10 h 57 min
